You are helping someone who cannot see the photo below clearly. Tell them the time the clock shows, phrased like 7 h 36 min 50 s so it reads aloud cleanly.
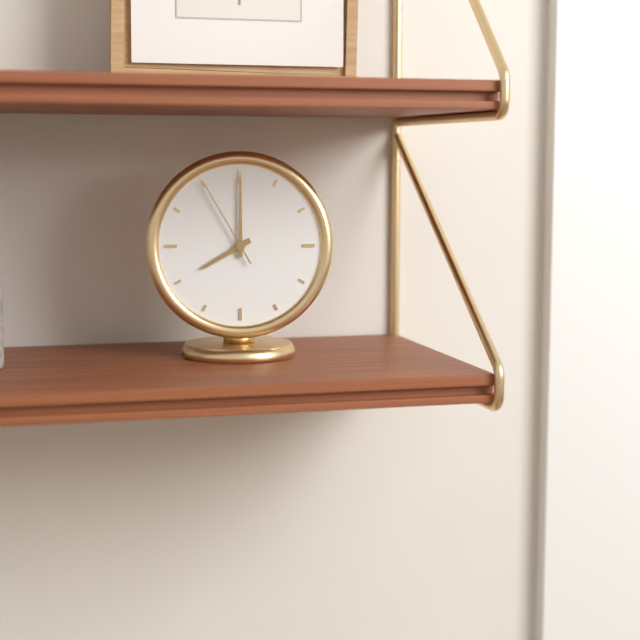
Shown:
8 h 00 min 55 s
